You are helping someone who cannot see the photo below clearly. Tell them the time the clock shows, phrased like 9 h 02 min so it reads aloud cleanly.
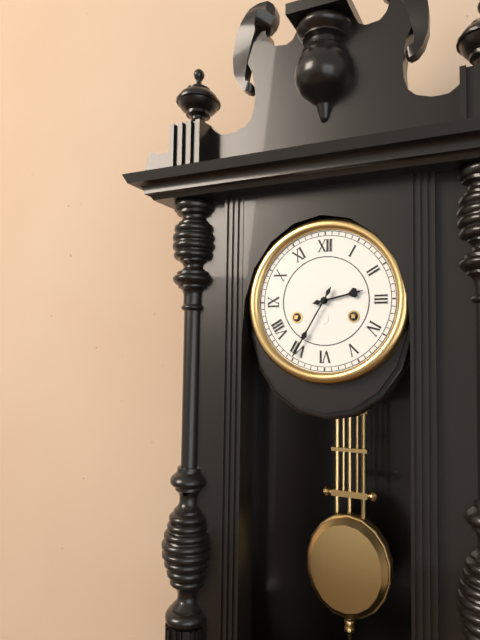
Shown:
2 h 35 min
